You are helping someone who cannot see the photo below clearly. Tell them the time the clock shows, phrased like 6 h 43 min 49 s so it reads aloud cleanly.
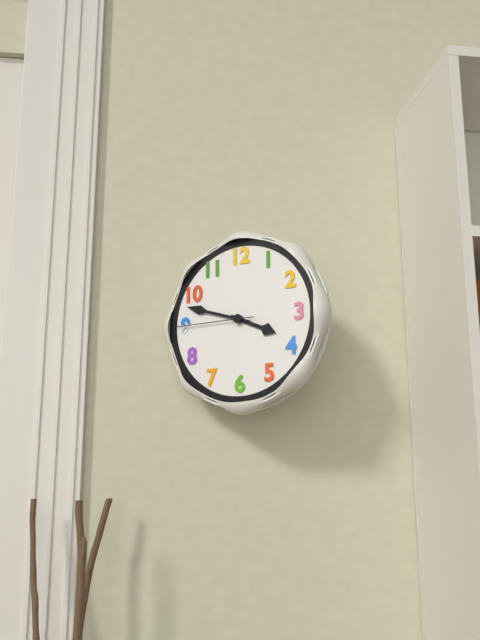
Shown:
3 h 48 min 45 s
